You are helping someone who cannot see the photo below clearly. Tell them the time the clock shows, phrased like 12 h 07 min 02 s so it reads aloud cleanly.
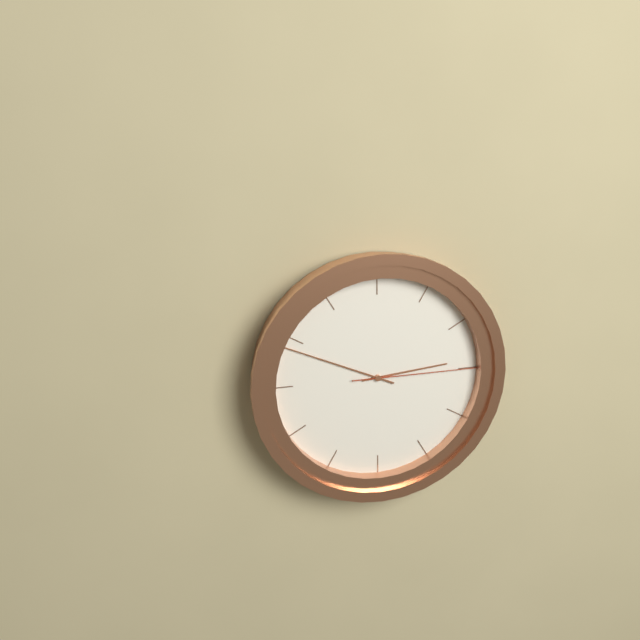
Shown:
2 h 49 min 15 s
